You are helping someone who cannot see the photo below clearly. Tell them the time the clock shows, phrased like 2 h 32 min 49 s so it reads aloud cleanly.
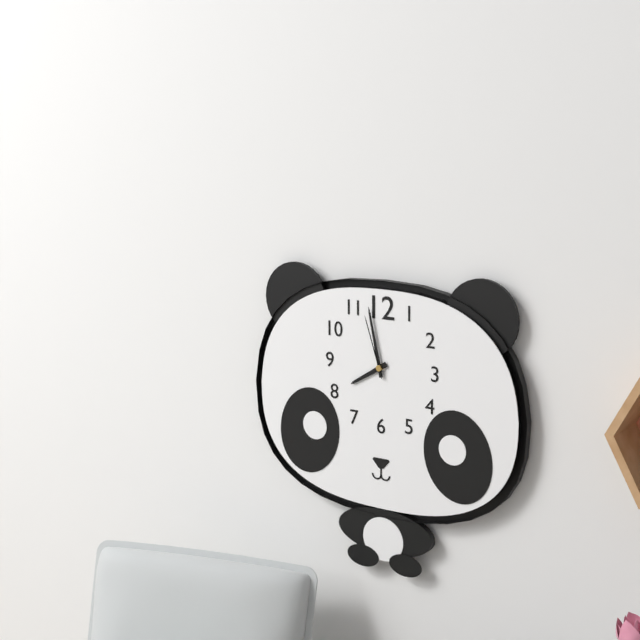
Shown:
7 h 58 min 57 s
